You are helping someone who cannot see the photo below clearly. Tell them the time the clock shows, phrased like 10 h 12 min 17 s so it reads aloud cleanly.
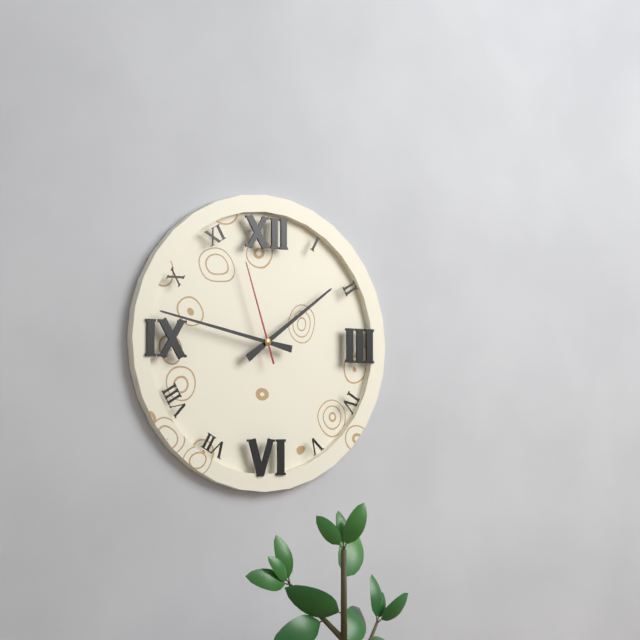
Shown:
1 h 47 min 57 s
